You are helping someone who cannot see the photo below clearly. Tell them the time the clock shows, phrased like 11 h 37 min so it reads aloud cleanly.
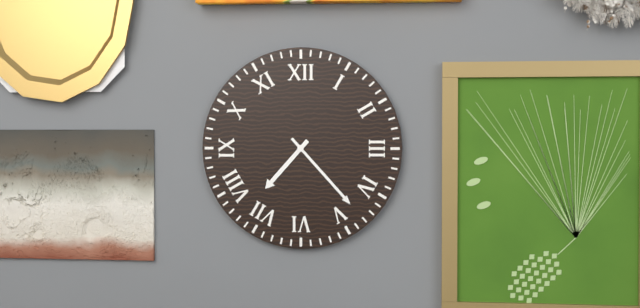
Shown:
7 h 23 min
